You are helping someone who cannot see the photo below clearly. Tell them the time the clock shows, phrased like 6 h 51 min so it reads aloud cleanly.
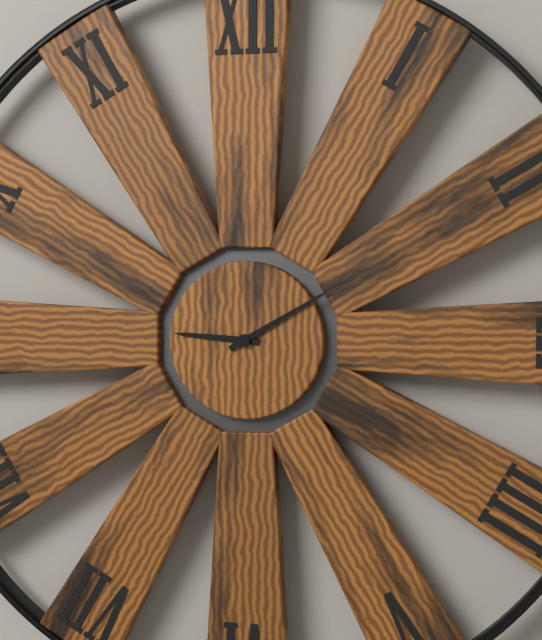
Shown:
9 h 10 min
